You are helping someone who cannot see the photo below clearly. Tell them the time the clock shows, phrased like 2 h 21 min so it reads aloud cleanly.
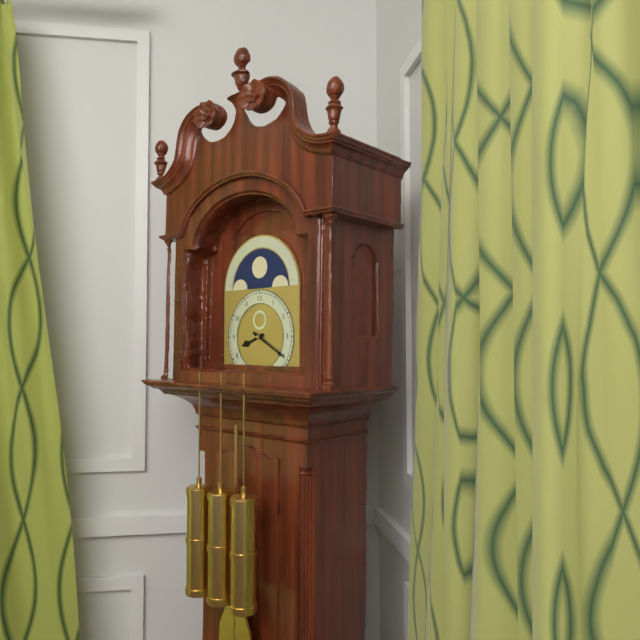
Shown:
8 h 20 min
